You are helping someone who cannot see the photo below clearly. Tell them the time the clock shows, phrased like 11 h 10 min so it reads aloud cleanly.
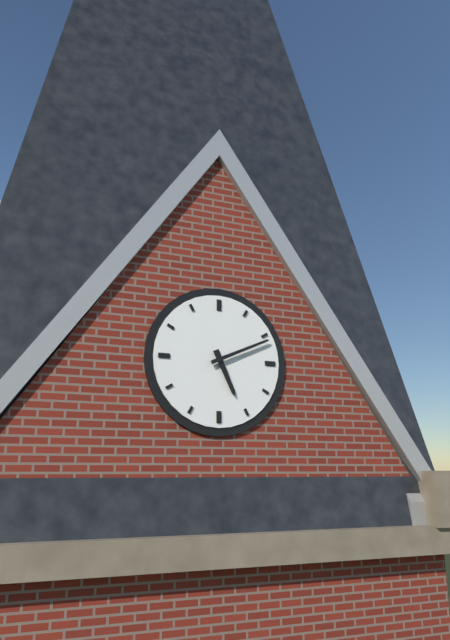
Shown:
5 h 11 min
